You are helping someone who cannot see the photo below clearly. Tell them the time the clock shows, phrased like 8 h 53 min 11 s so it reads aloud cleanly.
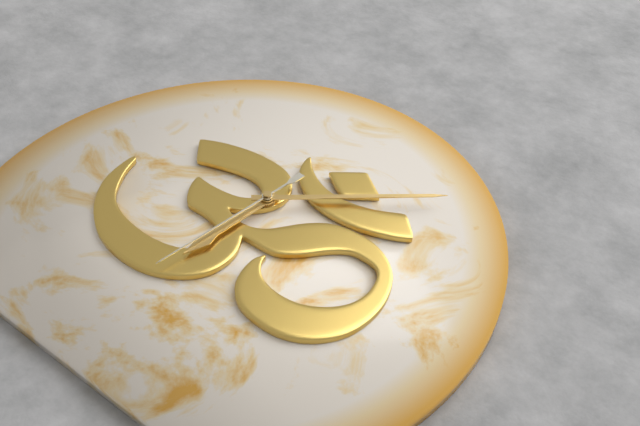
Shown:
6 h 08 min 31 s
